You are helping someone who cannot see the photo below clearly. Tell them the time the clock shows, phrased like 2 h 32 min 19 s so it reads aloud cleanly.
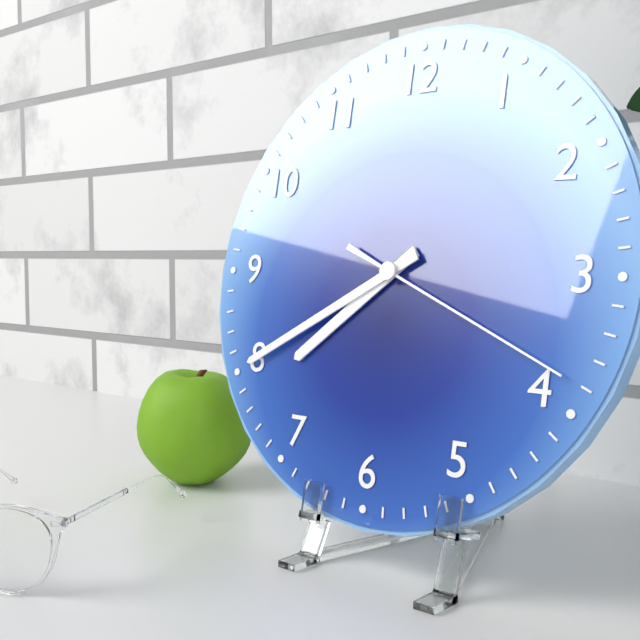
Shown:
7 h 40 min 19 s
